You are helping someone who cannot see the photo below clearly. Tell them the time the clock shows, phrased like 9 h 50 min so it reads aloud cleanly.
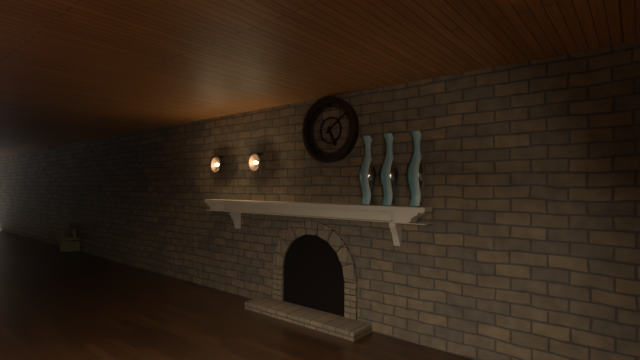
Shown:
5 h 09 min
